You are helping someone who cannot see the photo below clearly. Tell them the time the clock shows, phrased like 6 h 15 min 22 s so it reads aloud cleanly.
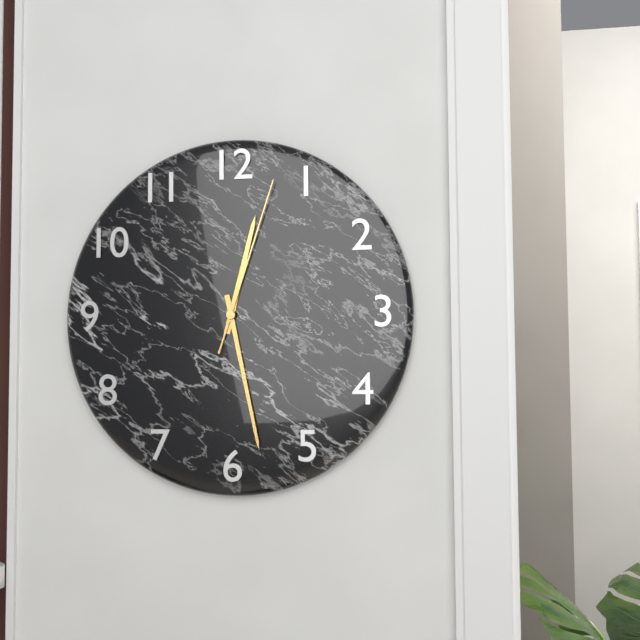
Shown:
12 h 28 min 03 s
